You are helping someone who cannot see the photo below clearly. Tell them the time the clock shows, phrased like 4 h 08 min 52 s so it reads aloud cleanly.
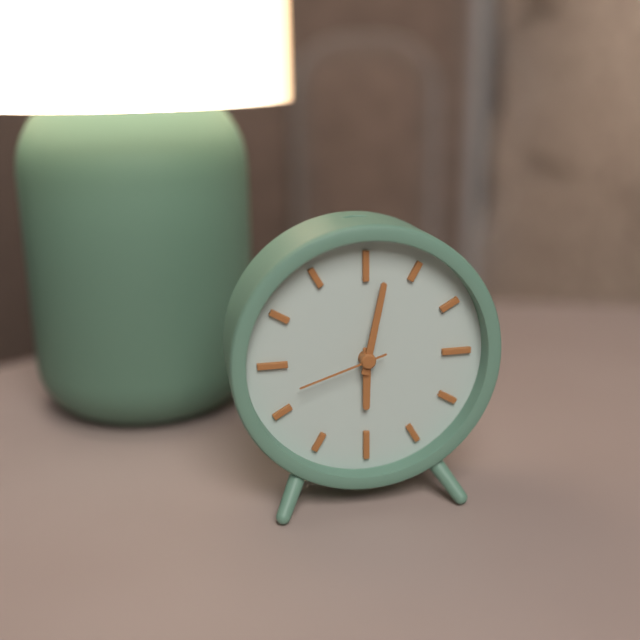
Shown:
6 h 02 min 42 s
